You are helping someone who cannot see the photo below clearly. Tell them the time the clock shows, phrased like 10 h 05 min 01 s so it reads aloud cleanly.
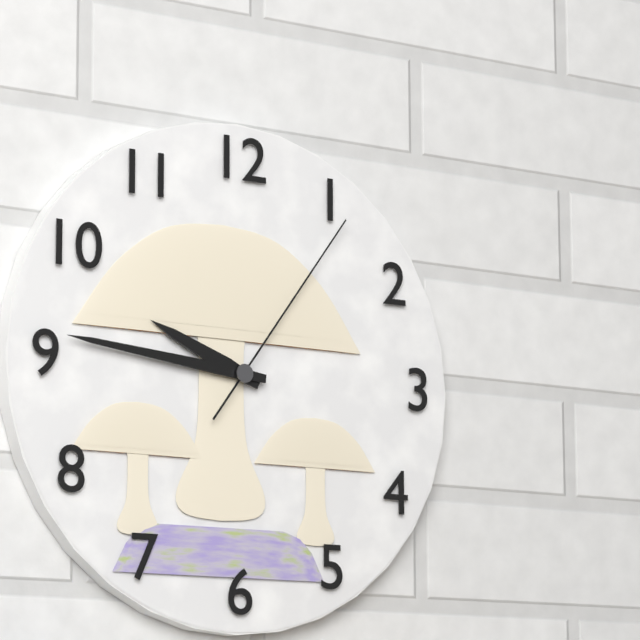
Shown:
9 h 46 min 06 s
